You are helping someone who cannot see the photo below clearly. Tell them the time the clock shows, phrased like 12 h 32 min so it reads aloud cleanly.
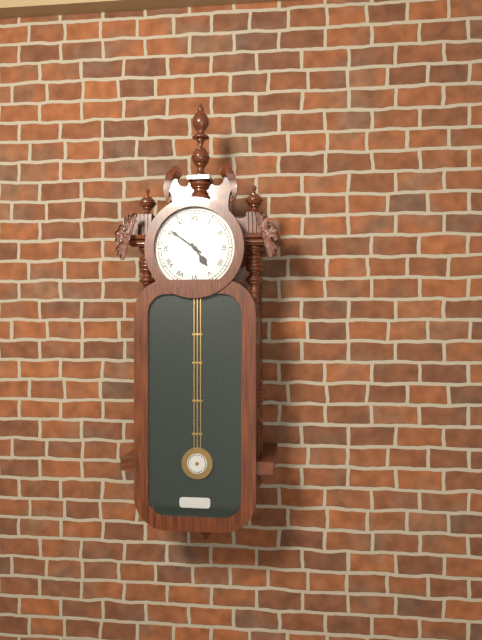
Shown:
4 h 51 min
